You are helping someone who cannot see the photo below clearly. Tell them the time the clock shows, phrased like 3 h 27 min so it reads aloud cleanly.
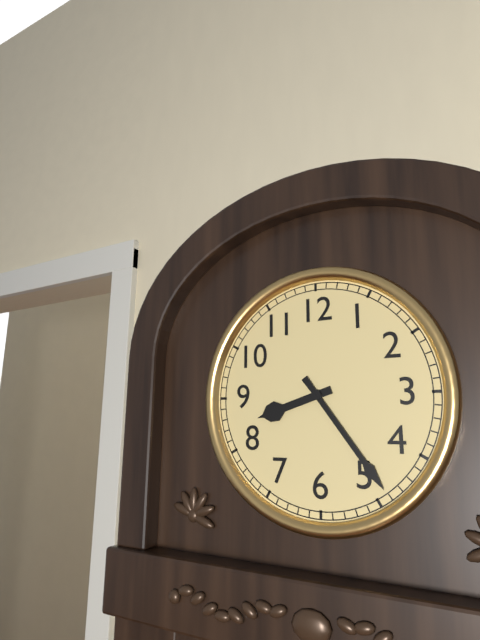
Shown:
8 h 24 min
